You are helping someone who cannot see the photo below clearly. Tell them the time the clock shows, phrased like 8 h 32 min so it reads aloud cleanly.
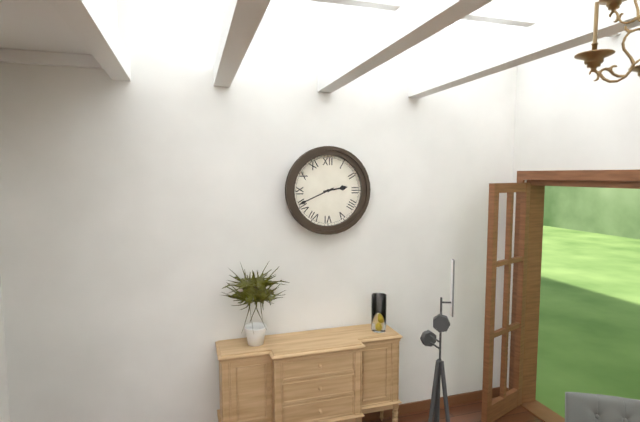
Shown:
2 h 41 min
